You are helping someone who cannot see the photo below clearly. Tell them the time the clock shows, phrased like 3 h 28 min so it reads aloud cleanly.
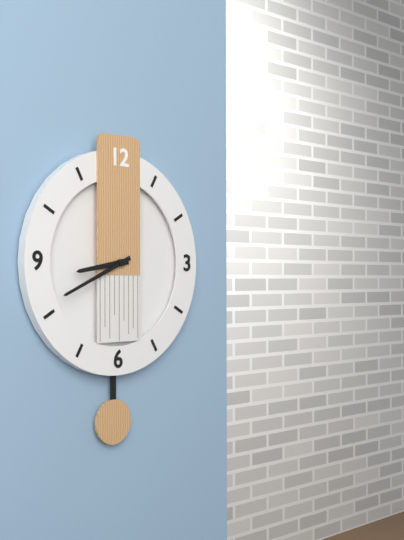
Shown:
8 h 41 min
